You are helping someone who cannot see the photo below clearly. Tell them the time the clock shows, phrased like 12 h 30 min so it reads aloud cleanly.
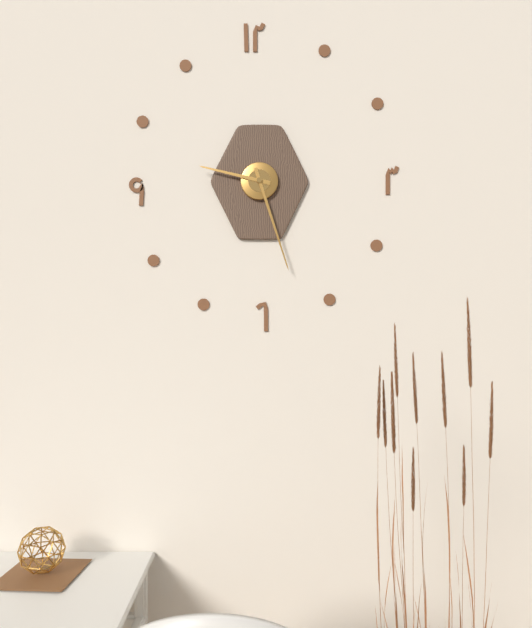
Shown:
9 h 27 min
